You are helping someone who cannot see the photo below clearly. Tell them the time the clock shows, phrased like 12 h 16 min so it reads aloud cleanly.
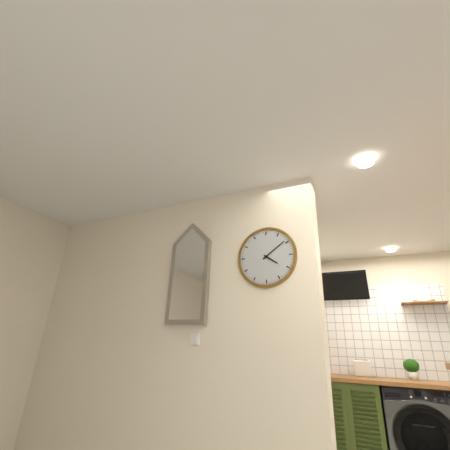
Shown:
4 h 09 min
